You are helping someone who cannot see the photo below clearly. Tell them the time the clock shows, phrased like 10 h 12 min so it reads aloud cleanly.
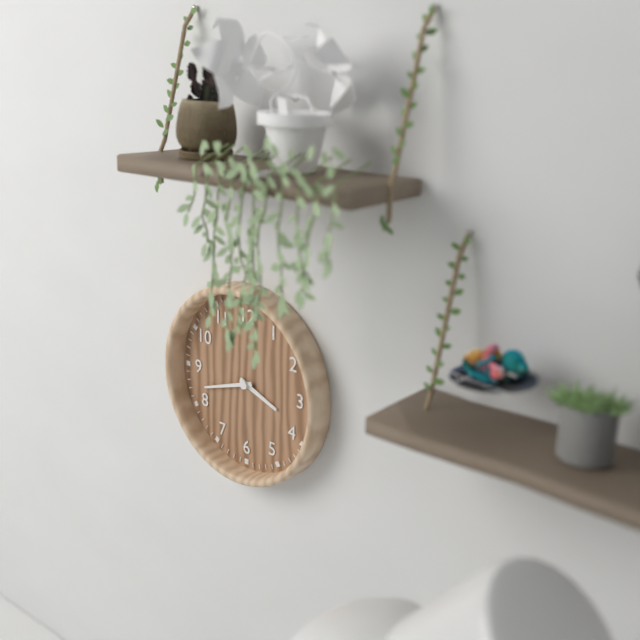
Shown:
3 h 42 min
